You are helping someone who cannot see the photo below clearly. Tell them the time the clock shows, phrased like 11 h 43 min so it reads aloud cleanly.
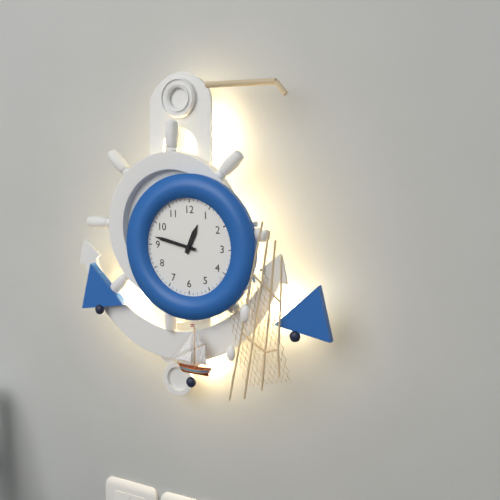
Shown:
12 h 47 min
